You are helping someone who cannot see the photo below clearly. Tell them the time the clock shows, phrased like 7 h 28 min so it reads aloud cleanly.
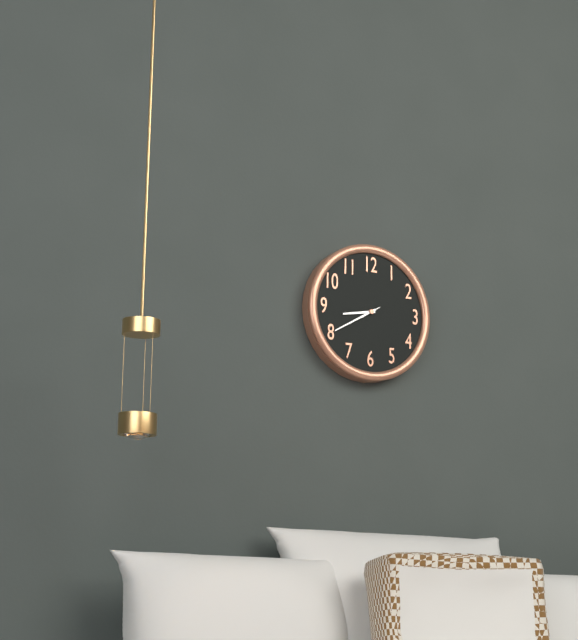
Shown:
8 h 40 min
